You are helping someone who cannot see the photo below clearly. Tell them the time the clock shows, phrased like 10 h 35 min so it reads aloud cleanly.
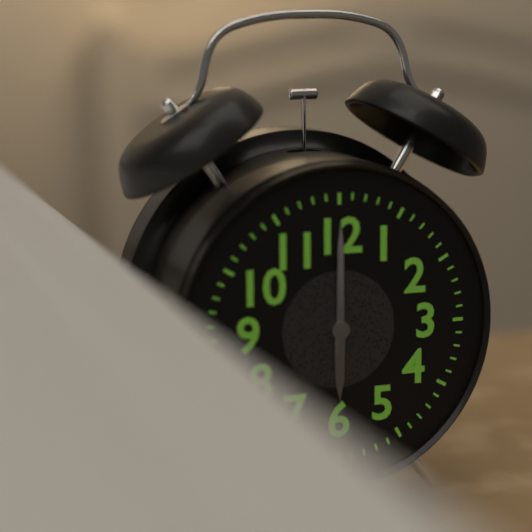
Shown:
6 h 00 min
